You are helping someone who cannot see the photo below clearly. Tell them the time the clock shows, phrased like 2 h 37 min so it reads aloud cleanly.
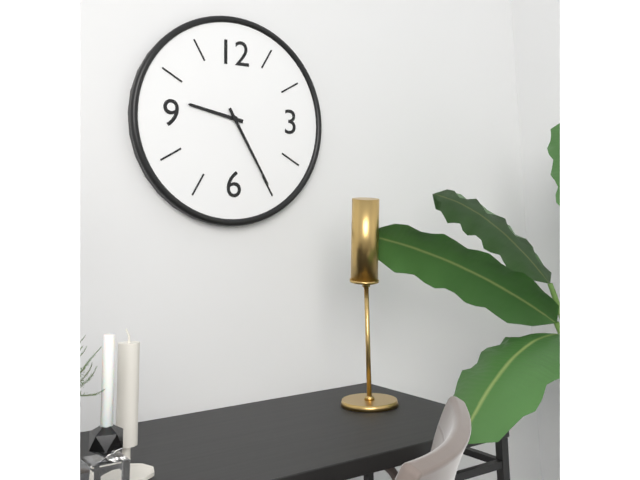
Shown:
9 h 25 min
